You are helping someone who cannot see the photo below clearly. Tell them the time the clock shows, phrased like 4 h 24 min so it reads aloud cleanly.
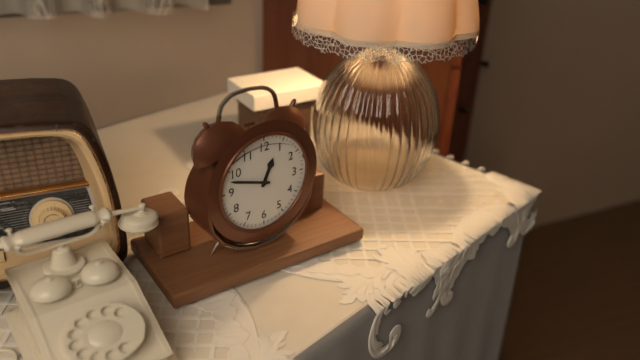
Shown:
12 h 48 min
